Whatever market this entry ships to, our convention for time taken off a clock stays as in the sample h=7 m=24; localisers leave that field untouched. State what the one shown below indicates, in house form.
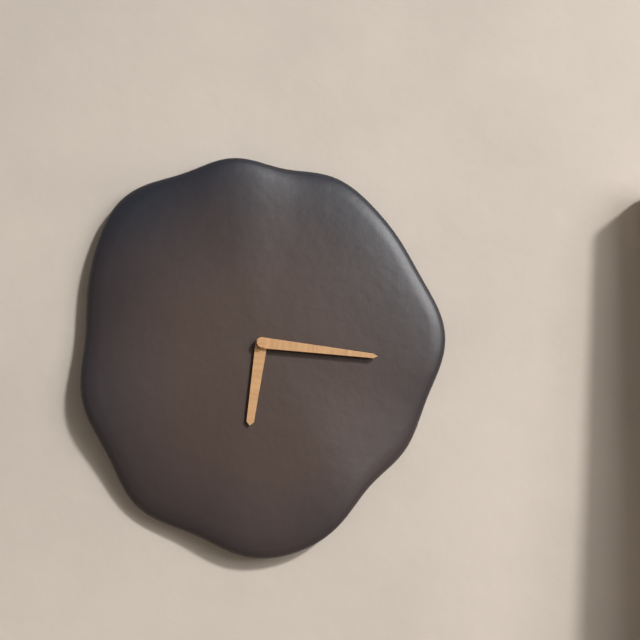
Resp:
h=6 m=16
